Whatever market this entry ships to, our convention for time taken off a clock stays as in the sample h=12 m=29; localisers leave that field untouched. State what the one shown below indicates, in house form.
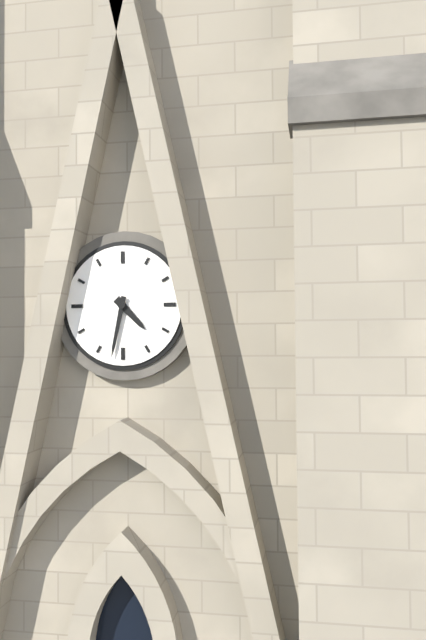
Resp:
h=4 m=32
